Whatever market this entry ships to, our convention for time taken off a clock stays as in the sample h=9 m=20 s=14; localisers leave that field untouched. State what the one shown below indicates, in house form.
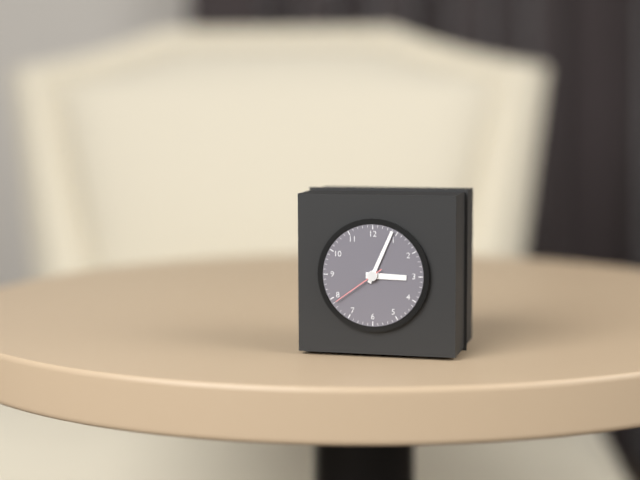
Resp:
h=3 m=4 s=39
